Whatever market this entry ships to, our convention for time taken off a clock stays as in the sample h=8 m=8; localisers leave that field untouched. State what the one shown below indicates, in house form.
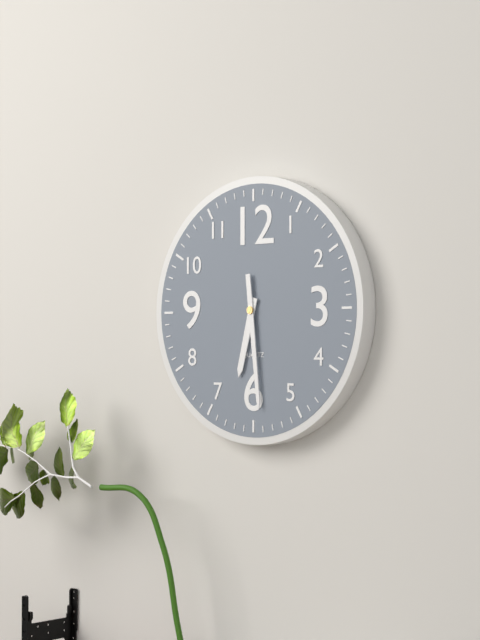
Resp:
h=6 m=29
